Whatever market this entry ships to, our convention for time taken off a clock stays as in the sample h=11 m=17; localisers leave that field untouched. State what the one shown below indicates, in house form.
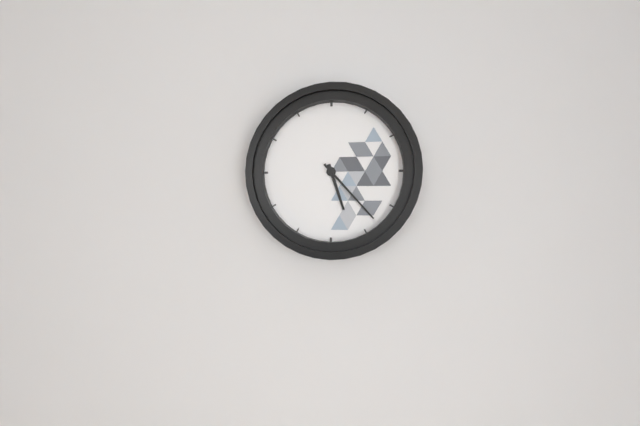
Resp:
h=5 m=23
